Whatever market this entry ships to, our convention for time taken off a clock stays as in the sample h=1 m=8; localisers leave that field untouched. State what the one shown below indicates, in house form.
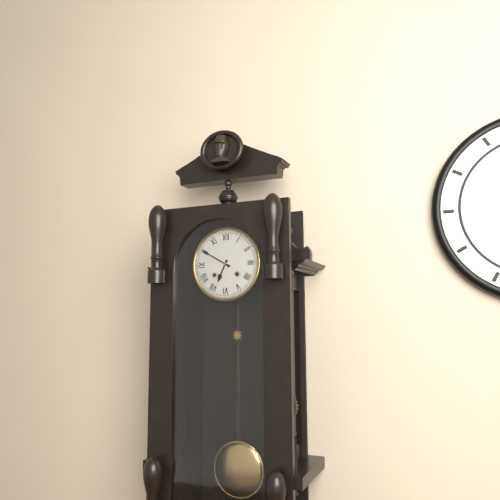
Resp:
h=6 m=50
